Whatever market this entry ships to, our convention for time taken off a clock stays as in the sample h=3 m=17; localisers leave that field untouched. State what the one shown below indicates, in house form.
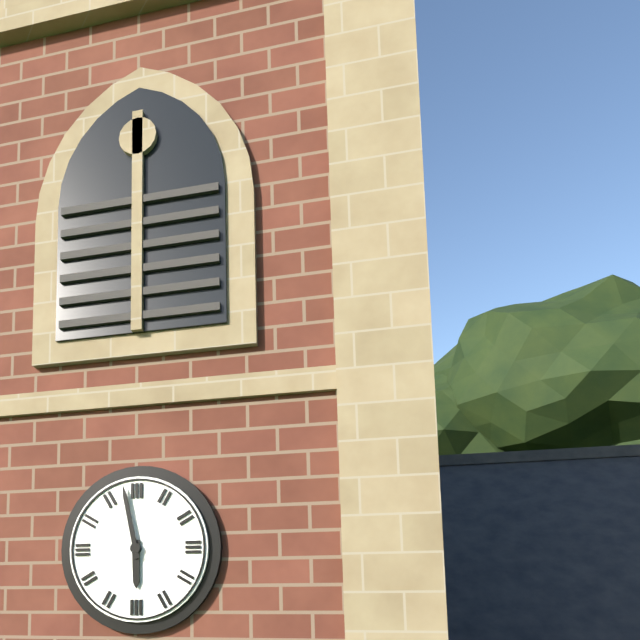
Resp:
h=5 m=58
